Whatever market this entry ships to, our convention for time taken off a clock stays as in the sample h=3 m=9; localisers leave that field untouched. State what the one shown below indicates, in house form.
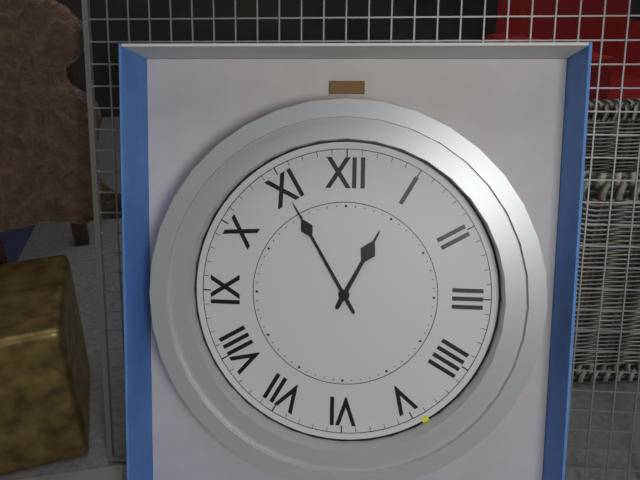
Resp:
h=12 m=55
